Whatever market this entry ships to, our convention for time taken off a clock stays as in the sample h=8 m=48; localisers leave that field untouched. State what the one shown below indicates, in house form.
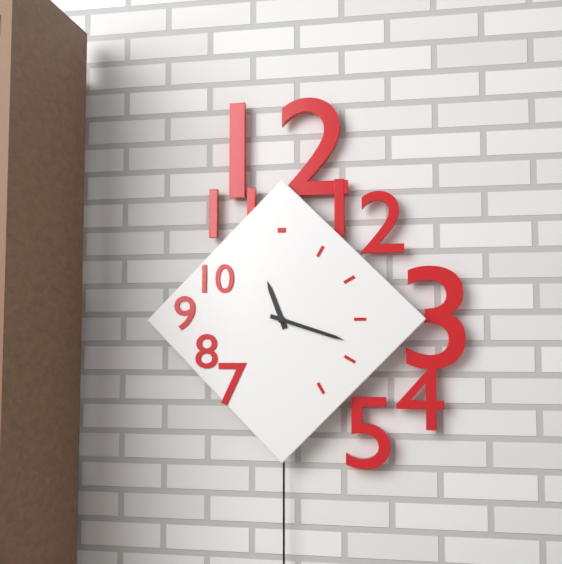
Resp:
h=11 m=18
